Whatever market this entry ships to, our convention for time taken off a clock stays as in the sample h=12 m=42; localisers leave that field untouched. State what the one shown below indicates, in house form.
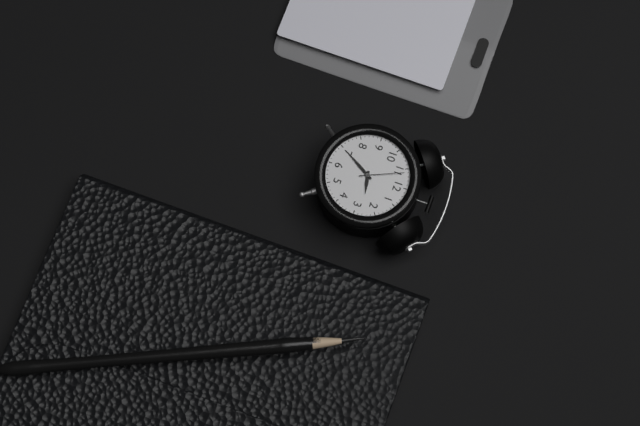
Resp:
h=2 m=35
